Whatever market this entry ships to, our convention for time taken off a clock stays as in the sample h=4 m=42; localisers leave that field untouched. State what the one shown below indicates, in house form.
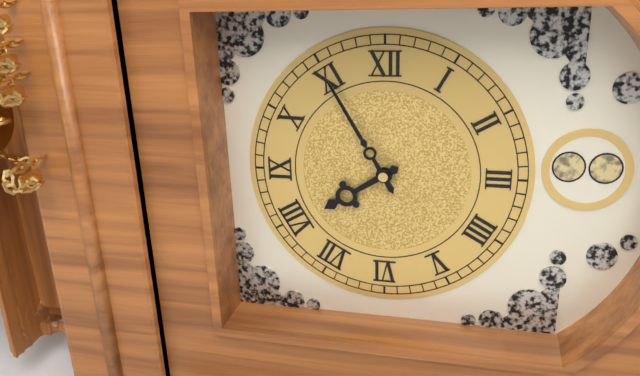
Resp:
h=7 m=55
